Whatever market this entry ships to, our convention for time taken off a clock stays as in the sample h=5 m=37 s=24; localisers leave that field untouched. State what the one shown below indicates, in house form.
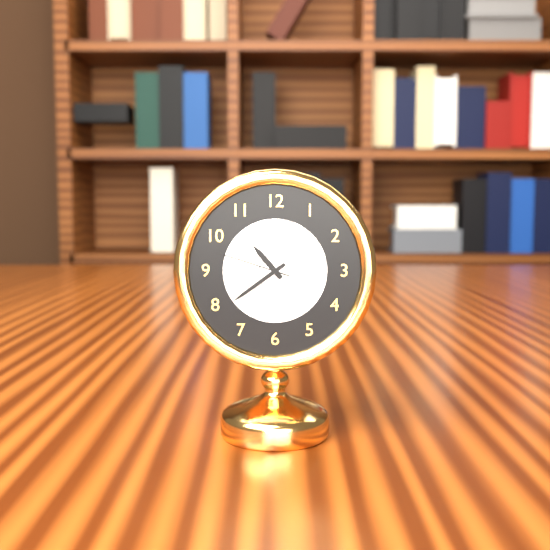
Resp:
h=10 m=39 s=48
